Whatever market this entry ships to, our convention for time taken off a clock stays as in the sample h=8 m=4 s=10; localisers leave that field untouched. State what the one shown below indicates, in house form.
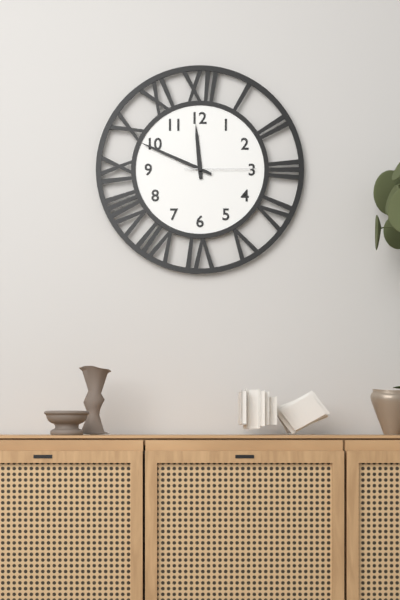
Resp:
h=11 m=49 s=15
